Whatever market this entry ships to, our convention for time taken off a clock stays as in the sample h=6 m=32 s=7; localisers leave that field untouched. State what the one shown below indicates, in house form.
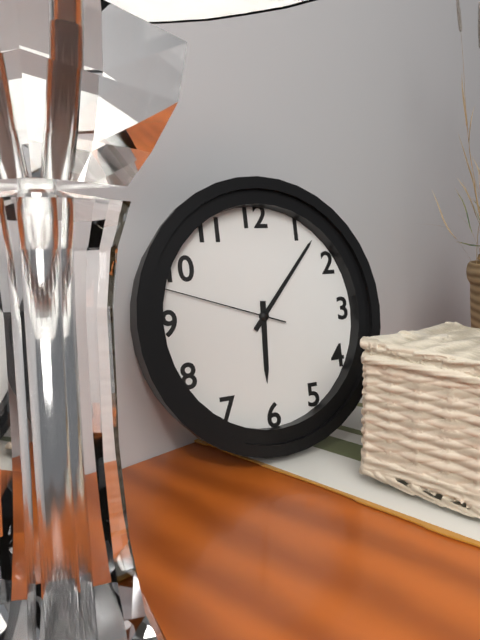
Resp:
h=6 m=7 s=48
